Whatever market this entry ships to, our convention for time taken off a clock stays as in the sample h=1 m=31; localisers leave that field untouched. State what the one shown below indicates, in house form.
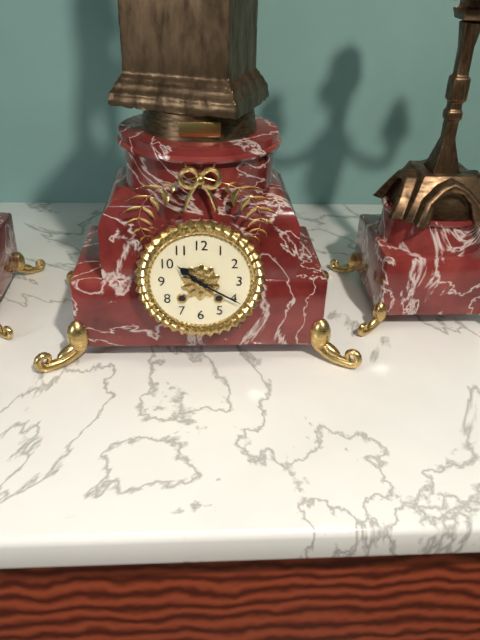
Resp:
h=10 m=20
